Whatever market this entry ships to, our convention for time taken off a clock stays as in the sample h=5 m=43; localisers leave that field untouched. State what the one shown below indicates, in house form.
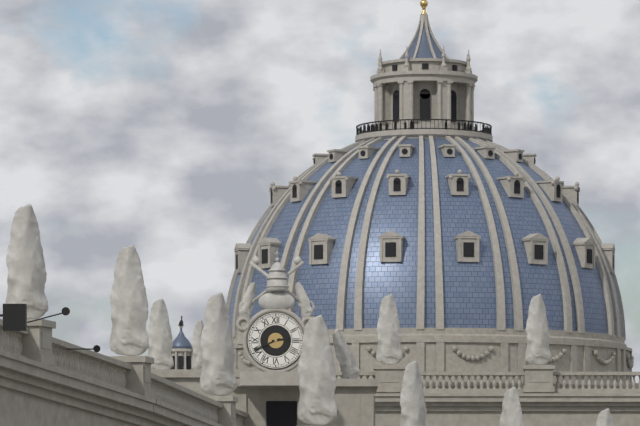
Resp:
h=2 m=41
